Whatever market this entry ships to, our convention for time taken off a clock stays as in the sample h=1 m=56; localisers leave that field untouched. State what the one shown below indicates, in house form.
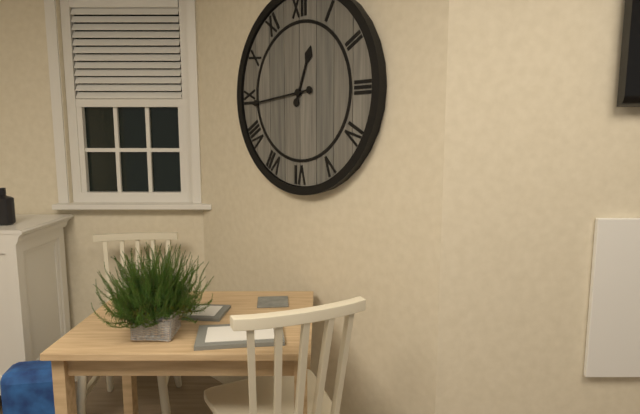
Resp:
h=12 m=44
